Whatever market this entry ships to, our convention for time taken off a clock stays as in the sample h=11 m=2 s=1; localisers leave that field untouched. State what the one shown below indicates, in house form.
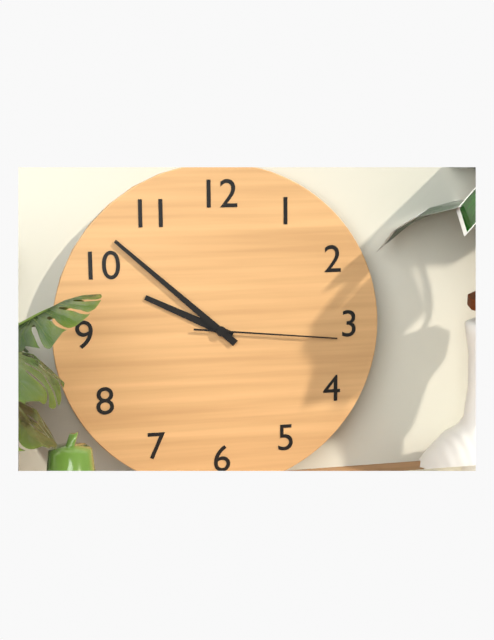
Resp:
h=9 m=52 s=16
